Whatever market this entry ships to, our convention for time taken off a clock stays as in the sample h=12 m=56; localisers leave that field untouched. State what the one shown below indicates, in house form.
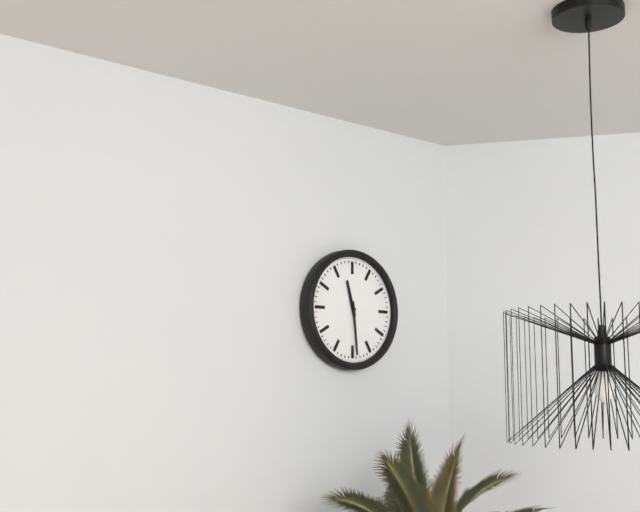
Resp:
h=11 m=29
